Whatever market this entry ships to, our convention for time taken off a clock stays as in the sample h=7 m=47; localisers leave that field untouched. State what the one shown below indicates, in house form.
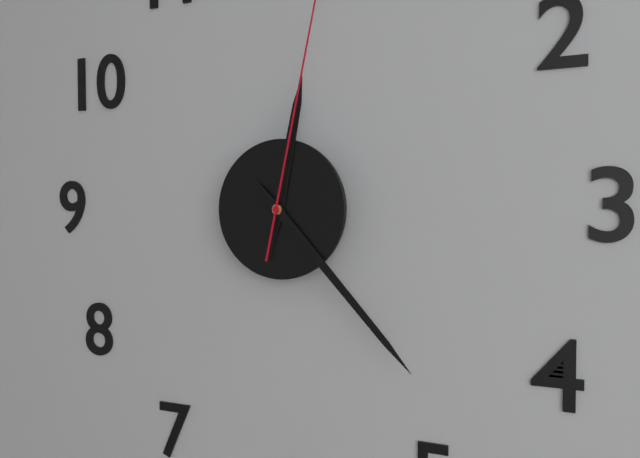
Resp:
h=12 m=23
